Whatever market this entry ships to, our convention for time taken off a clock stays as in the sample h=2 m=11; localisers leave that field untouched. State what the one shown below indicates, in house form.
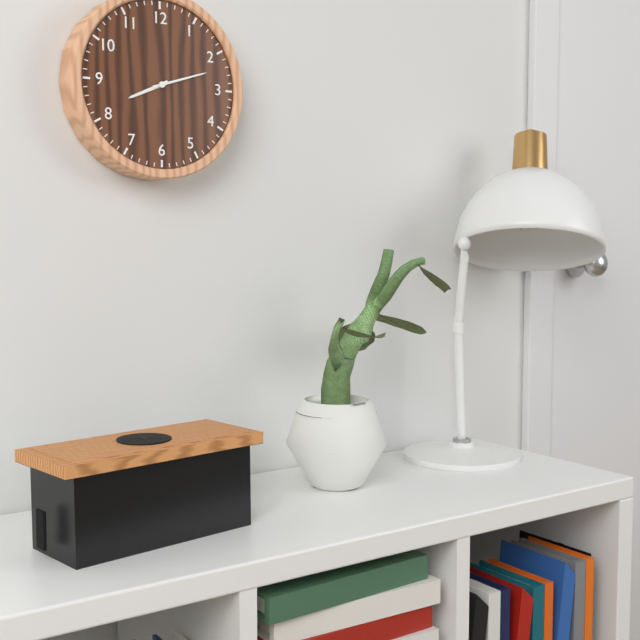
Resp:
h=8 m=12
